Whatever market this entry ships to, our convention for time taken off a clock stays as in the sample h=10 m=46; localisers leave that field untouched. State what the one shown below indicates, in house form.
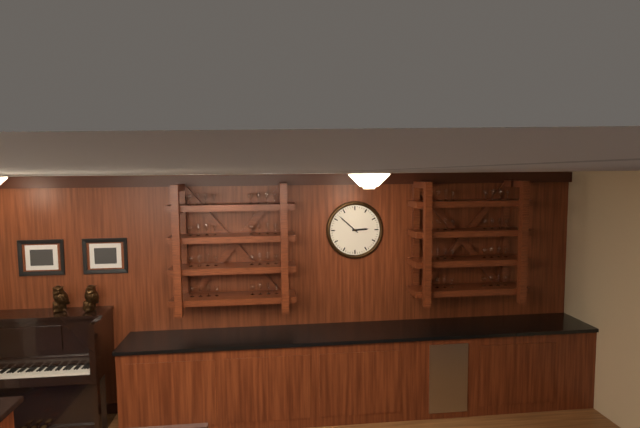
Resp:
h=2 m=52
